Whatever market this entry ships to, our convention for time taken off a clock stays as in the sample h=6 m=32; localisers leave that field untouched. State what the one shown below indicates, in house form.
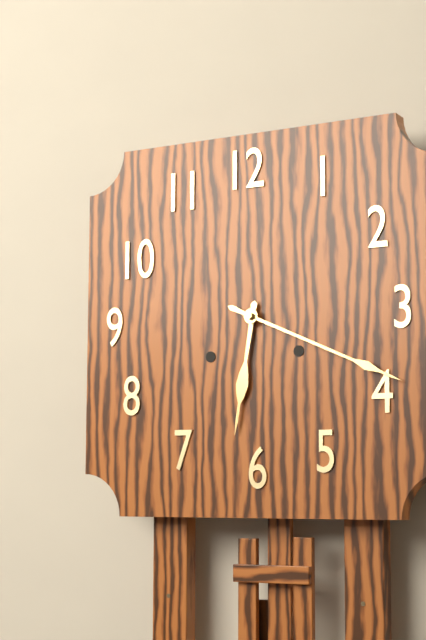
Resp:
h=6 m=19
